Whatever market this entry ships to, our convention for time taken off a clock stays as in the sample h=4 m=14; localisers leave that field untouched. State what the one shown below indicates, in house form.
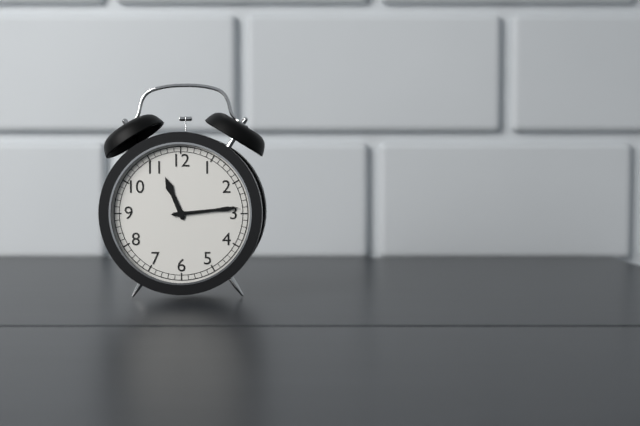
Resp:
h=11 m=14
